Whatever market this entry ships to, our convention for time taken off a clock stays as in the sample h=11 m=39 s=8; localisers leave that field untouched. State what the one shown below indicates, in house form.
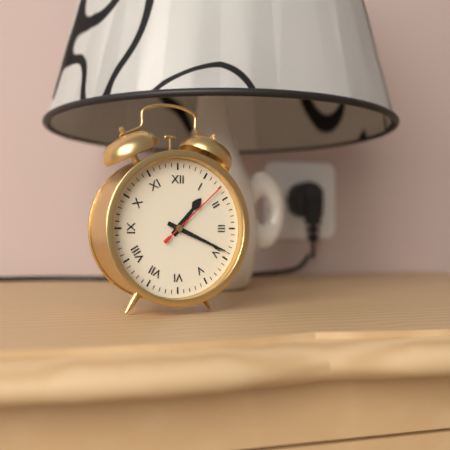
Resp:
h=1 m=19 s=8
